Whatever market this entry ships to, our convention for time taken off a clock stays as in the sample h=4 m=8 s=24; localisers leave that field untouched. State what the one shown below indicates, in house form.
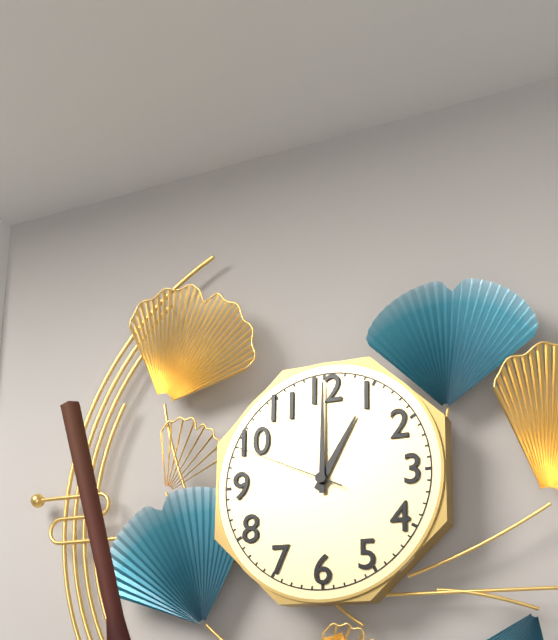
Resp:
h=1 m=0 s=49
